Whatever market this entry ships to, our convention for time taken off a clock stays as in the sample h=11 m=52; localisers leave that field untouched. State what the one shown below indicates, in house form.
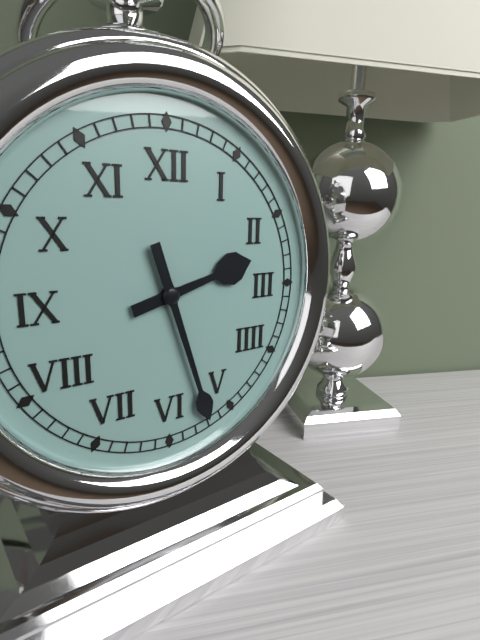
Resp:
h=2 m=27
